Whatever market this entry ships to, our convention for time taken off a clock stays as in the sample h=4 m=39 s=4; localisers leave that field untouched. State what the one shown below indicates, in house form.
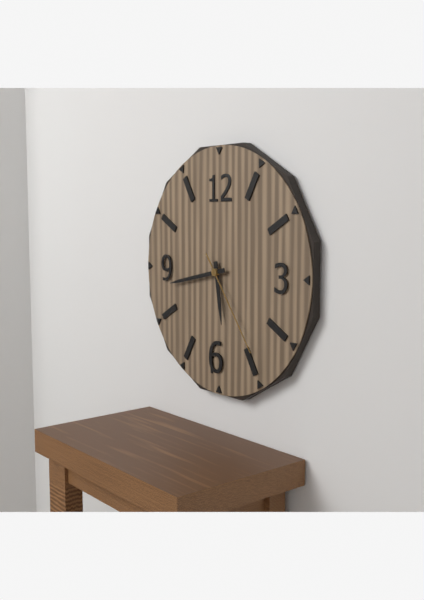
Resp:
h=5 m=43 s=24
